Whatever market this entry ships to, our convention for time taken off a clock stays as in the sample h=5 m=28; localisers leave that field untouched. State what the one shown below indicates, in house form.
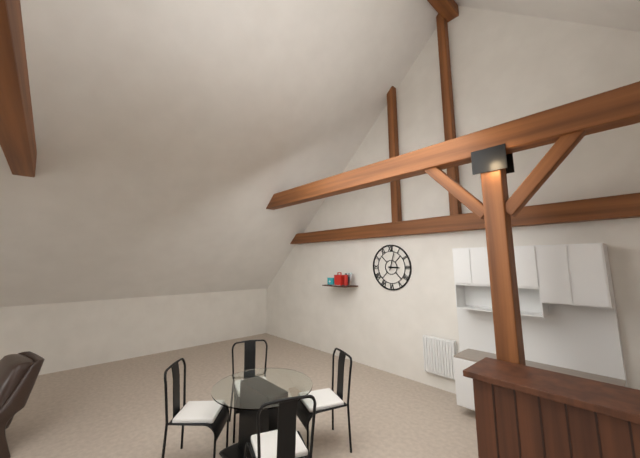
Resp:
h=3 m=3
